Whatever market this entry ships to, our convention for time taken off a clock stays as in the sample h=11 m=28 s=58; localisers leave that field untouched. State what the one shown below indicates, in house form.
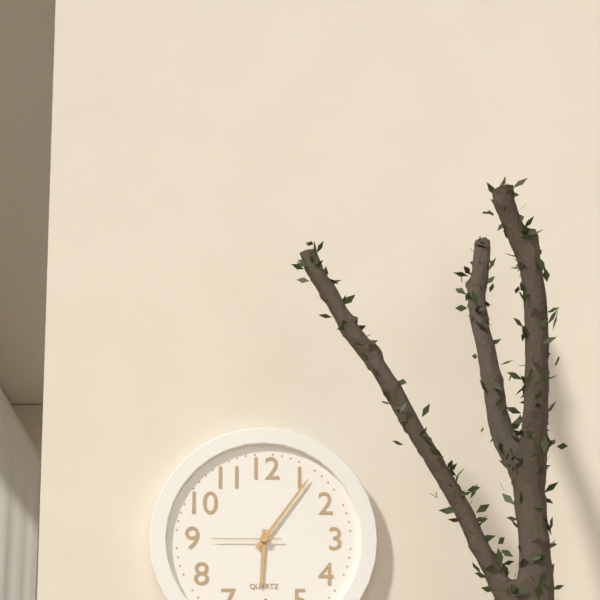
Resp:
h=6 m=6 s=45
